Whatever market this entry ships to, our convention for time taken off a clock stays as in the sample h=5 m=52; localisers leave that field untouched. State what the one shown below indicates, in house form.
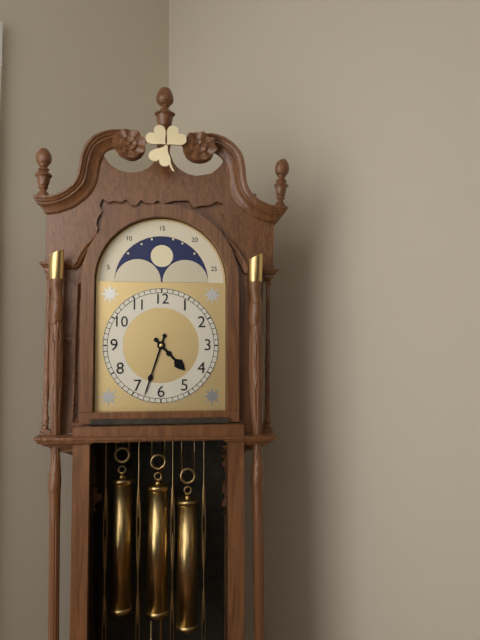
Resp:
h=4 m=33
